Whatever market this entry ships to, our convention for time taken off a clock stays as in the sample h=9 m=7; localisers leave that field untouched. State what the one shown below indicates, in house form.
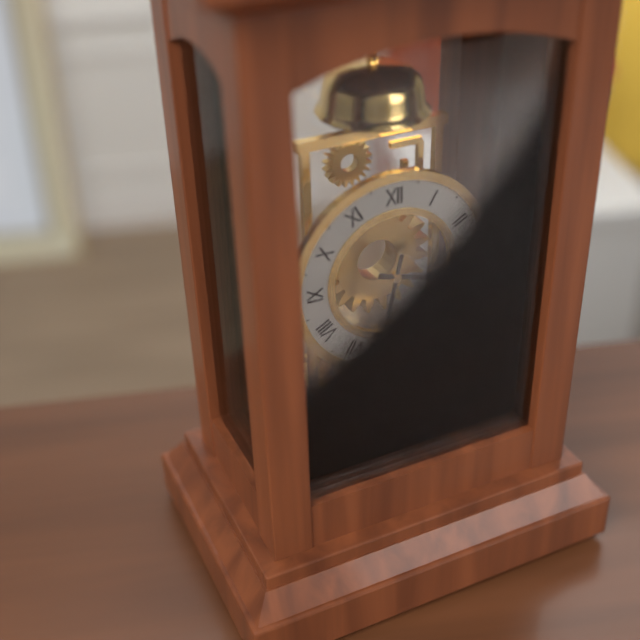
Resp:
h=3 m=32
